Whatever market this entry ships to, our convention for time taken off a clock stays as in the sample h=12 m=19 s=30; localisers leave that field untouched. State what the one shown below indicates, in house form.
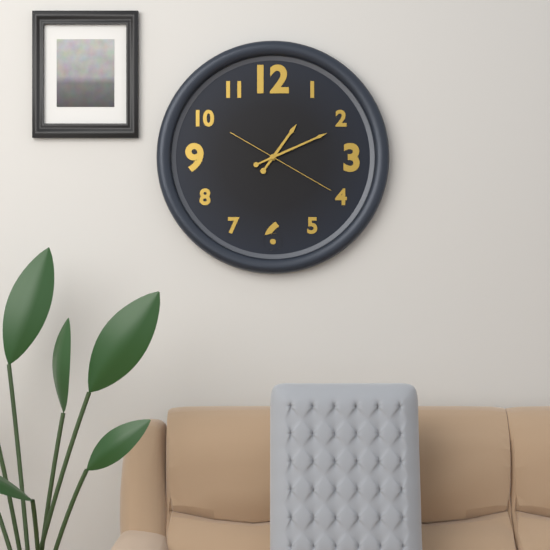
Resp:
h=1 m=11 s=20
